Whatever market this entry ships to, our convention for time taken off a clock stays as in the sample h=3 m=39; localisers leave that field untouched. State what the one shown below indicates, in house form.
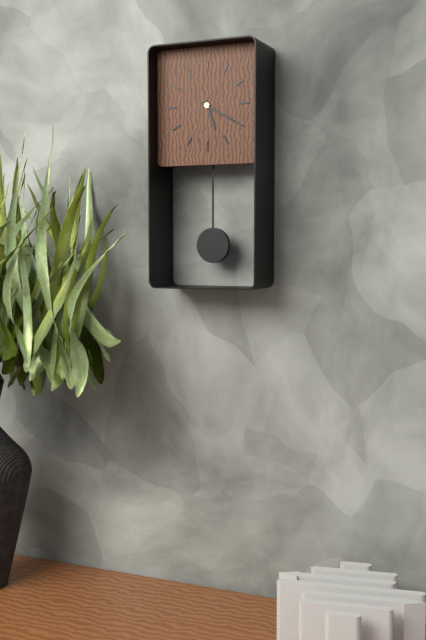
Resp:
h=5 m=20
